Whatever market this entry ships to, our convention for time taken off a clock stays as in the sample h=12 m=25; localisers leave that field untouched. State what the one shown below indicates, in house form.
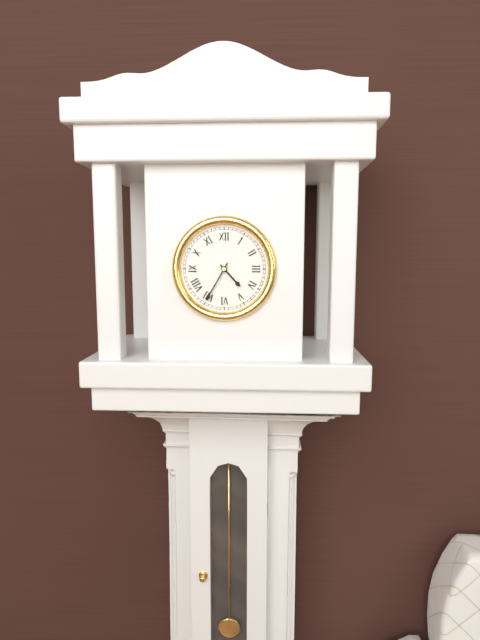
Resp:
h=4 m=35
